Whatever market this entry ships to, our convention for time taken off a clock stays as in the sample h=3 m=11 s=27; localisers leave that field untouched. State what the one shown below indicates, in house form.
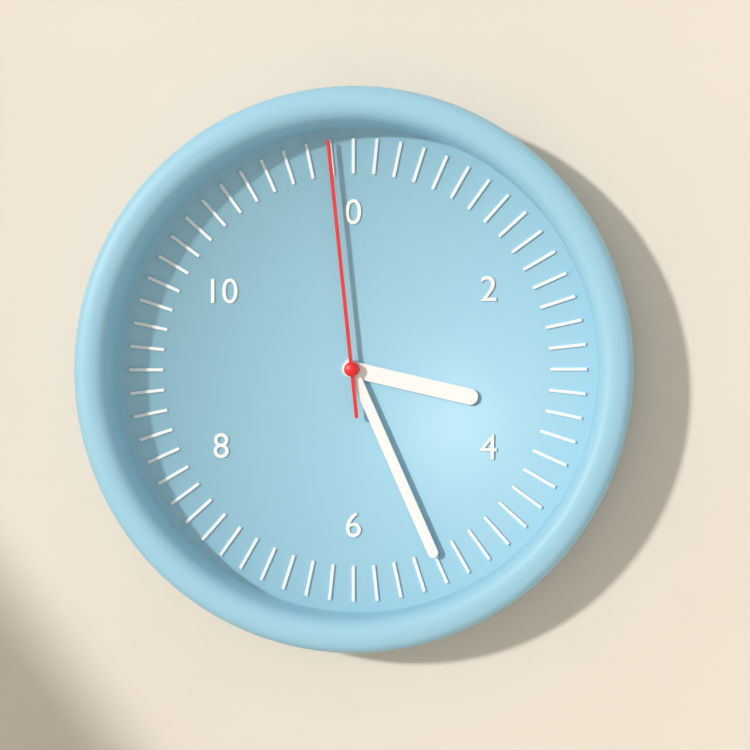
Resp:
h=3 m=26 s=59
